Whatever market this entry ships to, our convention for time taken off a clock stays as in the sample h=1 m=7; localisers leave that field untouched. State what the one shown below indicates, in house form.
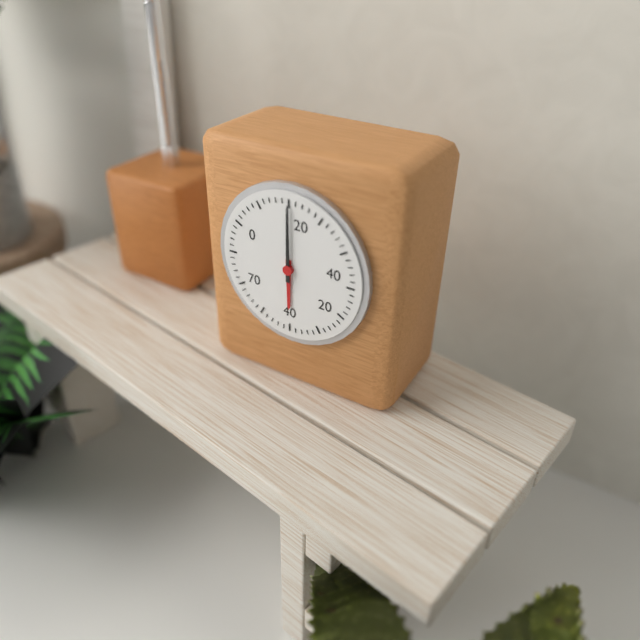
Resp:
h=6 m=0
